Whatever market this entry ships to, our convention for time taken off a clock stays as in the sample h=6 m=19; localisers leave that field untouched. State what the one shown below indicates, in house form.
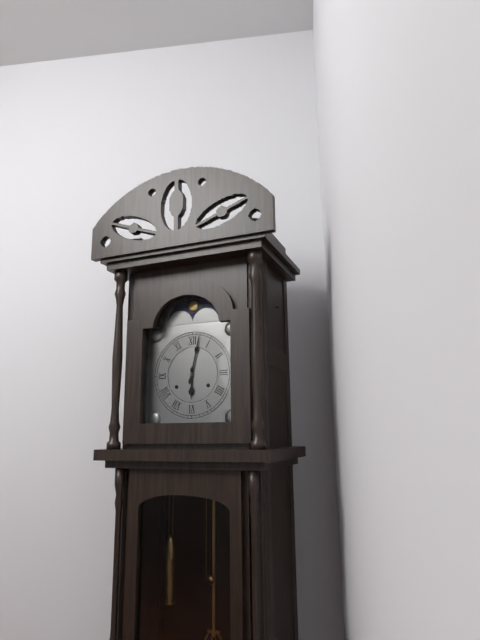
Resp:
h=6 m=2
